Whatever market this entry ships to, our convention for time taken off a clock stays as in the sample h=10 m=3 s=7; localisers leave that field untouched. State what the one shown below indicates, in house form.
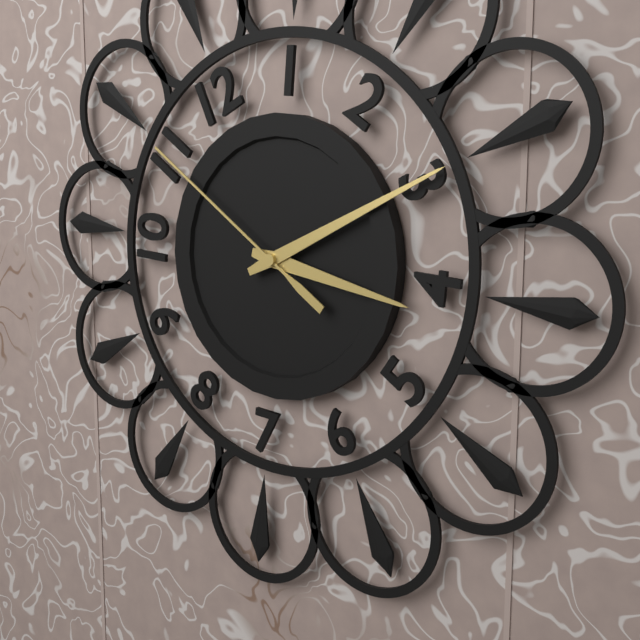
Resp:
h=4 m=15 s=55
